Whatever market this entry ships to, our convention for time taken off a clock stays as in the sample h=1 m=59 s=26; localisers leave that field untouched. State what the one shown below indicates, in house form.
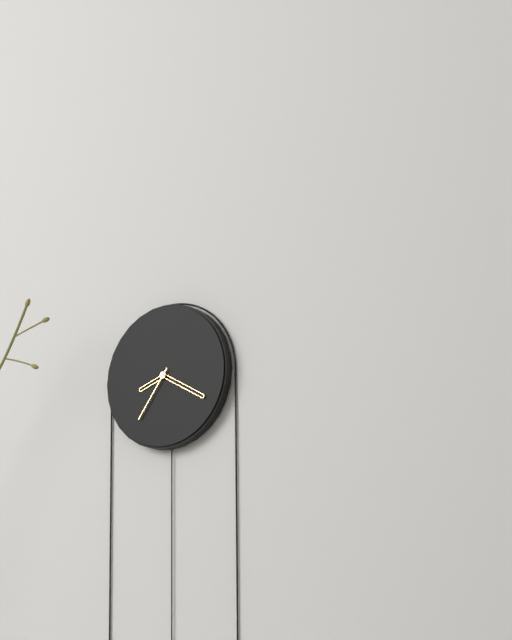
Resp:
h=8 m=20 s=36
